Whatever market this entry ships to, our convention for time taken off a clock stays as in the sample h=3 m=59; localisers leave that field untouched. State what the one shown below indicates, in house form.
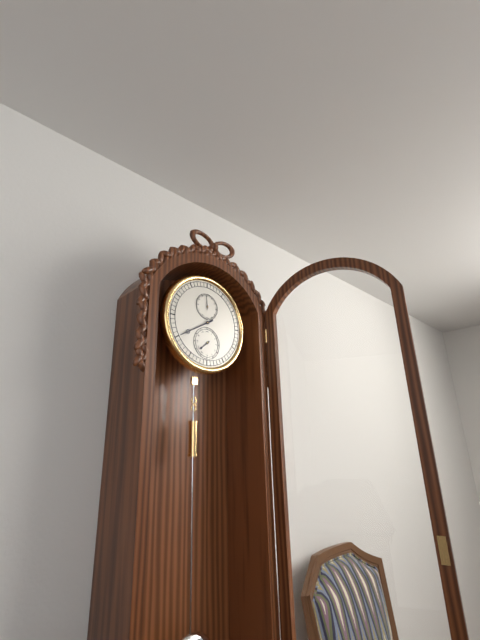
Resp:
h=7 m=40
